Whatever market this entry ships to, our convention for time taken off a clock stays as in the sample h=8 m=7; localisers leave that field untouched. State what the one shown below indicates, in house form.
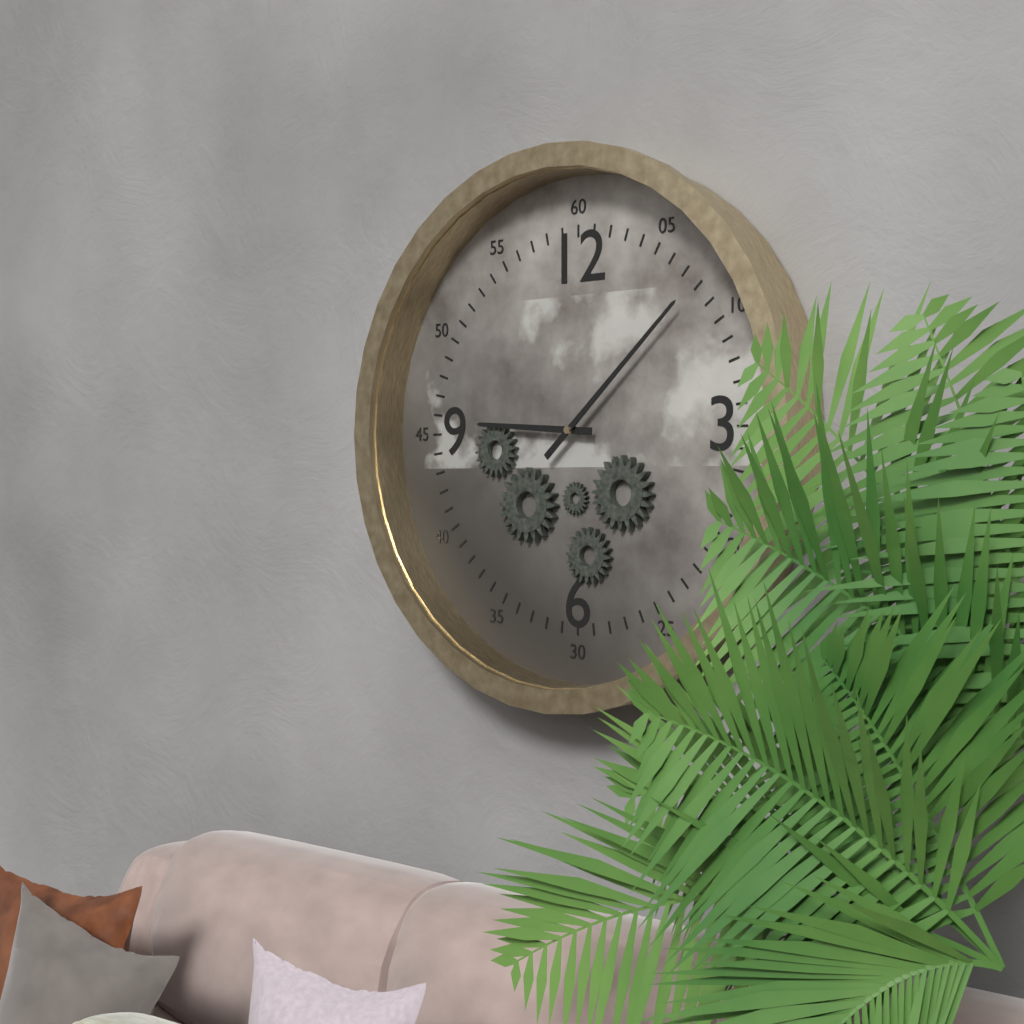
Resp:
h=9 m=8
